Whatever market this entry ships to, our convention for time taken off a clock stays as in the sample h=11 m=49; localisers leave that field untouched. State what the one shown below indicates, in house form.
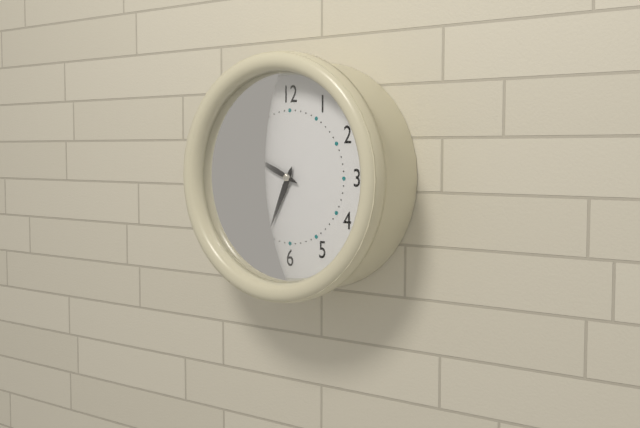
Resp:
h=6 m=49
